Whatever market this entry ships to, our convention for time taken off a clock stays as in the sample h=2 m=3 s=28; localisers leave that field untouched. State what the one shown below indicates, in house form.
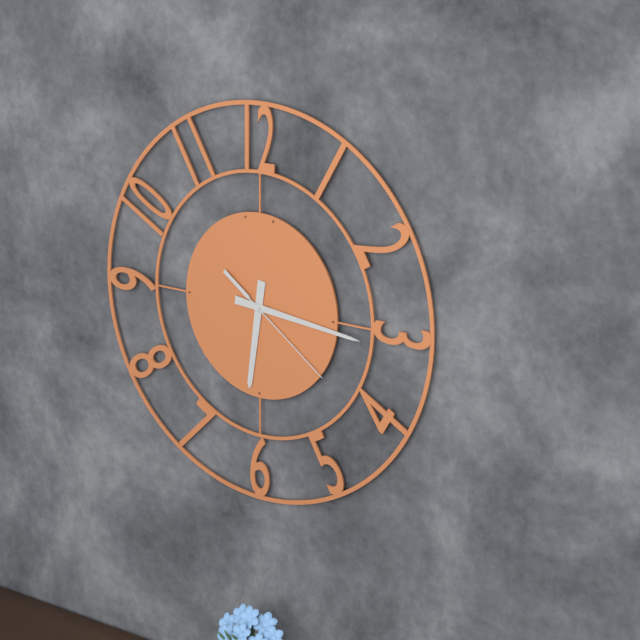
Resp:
h=6 m=16 s=21
